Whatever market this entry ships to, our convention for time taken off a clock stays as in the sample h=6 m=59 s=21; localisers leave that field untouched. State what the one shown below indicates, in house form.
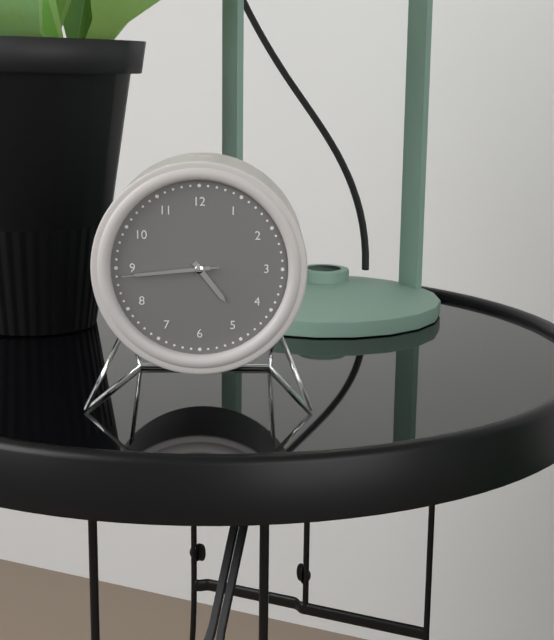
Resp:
h=4 m=44 s=44
